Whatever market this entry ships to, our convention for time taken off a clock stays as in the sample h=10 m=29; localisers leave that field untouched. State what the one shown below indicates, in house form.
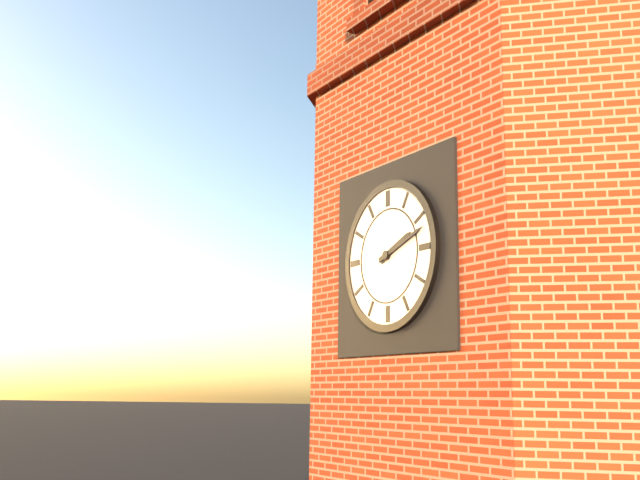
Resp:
h=2 m=12
